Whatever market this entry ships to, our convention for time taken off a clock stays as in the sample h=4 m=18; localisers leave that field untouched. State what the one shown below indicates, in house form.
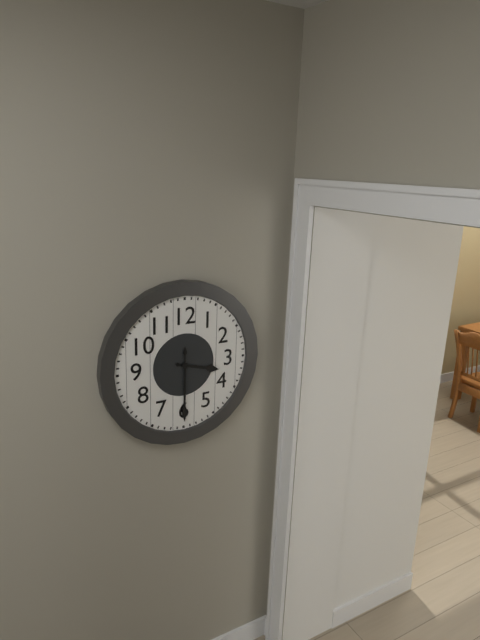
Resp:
h=3 m=30
